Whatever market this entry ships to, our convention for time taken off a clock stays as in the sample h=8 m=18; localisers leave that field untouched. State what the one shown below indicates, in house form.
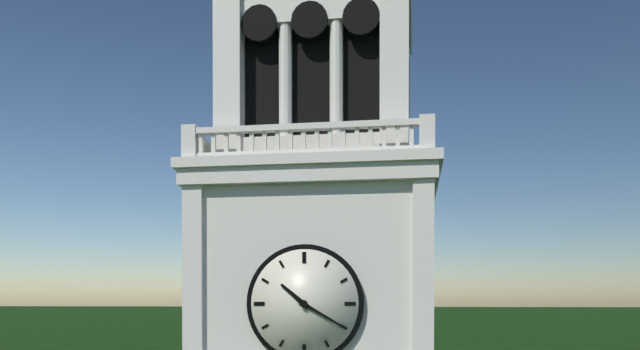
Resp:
h=10 m=20
